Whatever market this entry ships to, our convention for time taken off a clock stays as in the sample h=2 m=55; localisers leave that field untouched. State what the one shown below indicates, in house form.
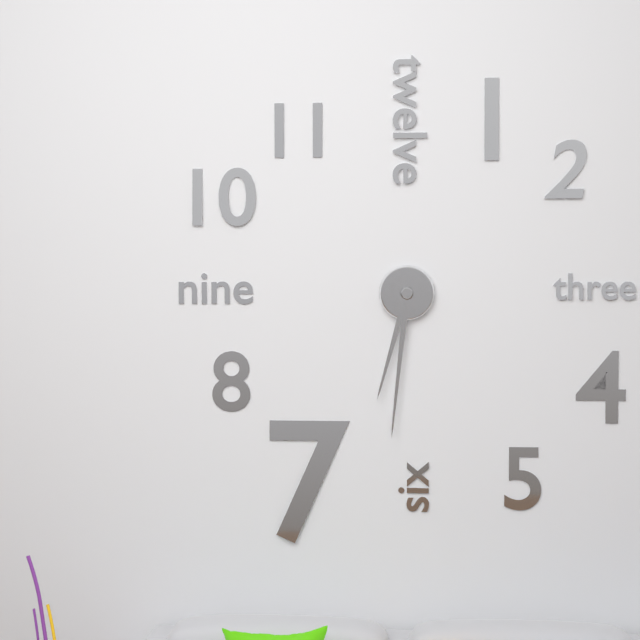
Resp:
h=6 m=31
